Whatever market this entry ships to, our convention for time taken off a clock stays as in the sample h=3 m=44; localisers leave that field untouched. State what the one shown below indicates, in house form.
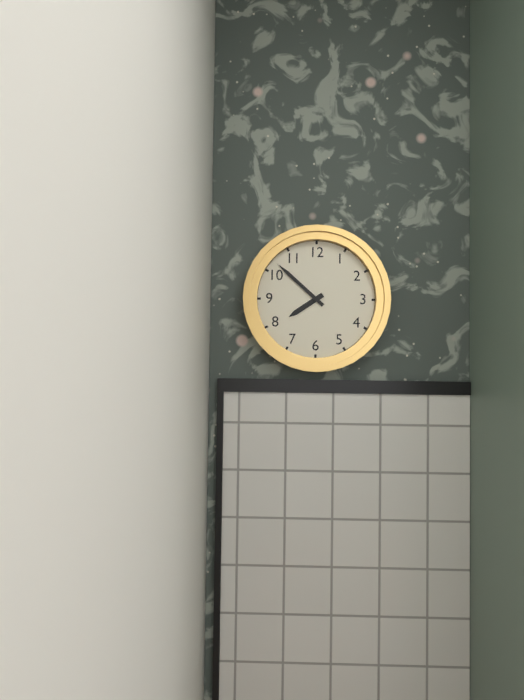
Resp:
h=7 m=52
